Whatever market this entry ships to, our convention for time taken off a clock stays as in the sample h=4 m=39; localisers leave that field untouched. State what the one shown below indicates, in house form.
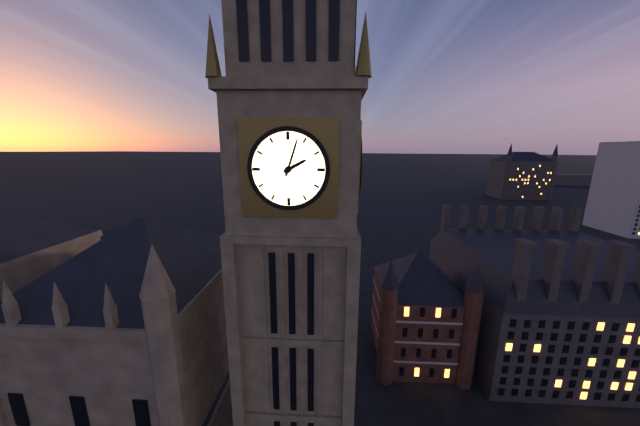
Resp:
h=2 m=3
